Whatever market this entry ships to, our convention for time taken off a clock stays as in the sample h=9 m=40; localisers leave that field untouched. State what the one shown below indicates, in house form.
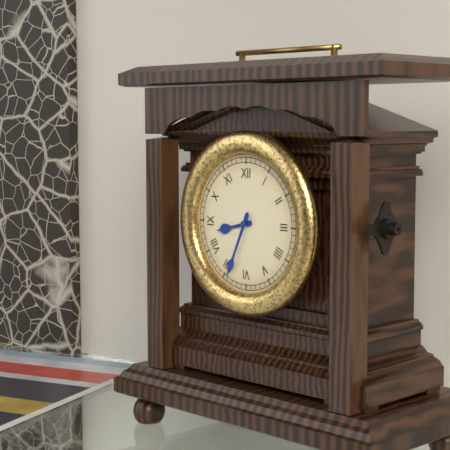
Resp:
h=8 m=34
